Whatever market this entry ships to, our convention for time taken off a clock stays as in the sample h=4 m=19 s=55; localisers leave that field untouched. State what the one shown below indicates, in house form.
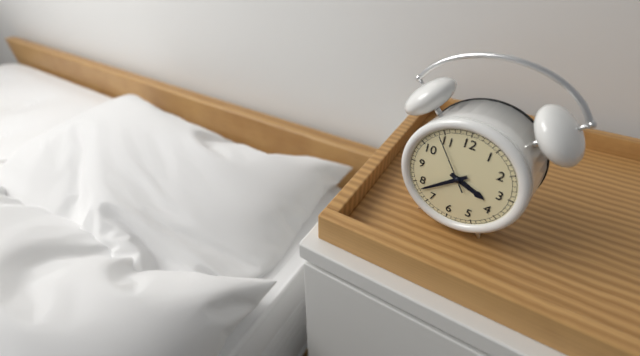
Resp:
h=3 m=38 s=54
